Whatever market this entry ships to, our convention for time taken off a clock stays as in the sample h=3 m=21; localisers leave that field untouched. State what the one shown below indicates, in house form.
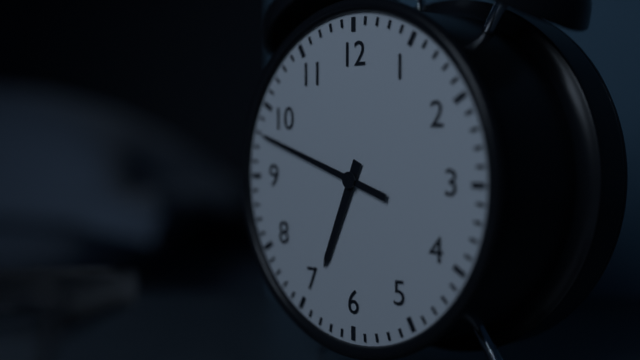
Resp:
h=6 m=48
